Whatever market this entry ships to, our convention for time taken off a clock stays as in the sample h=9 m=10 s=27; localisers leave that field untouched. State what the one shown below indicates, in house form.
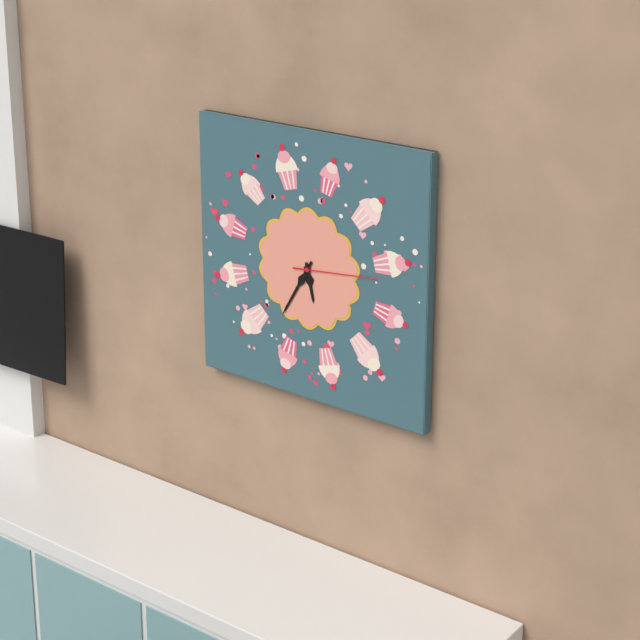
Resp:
h=5 m=35 s=14
